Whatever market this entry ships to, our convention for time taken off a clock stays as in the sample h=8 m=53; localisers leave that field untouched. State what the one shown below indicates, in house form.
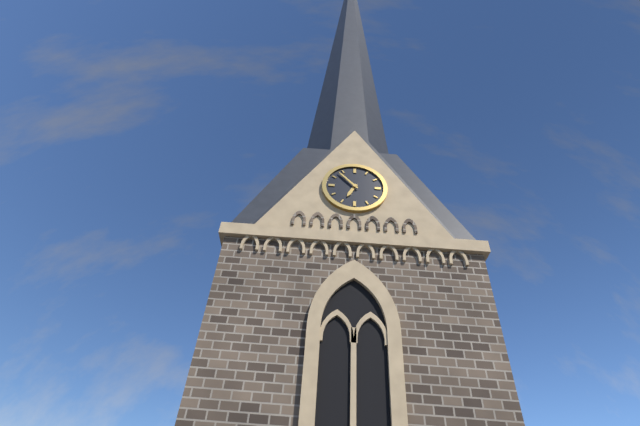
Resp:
h=6 m=53
